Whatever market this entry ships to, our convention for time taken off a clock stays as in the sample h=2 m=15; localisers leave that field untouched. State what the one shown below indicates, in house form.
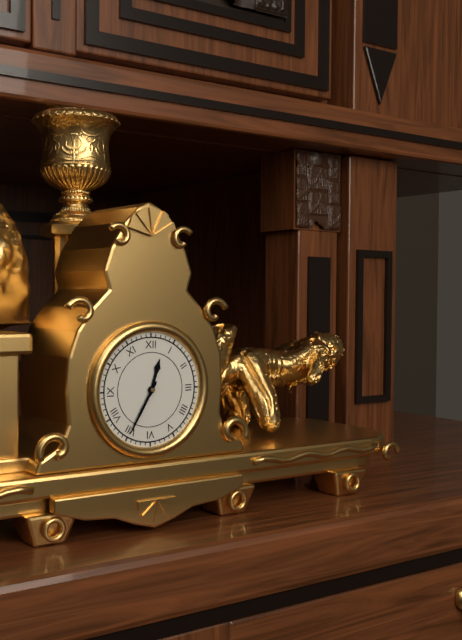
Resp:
h=12 m=35
